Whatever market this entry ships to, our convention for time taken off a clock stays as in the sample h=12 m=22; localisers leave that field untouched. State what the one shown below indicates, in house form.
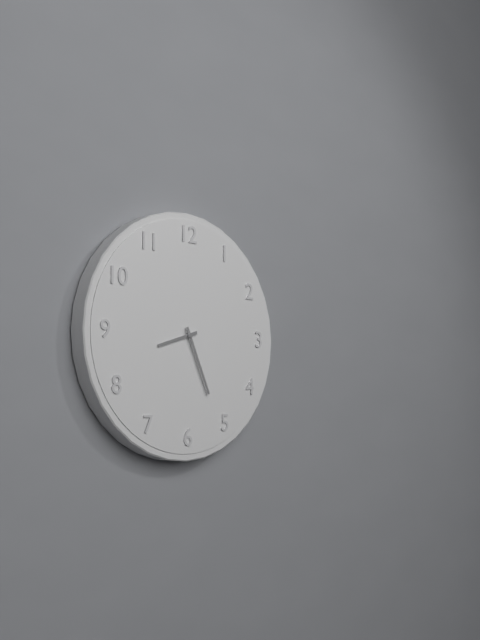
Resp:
h=8 m=26
